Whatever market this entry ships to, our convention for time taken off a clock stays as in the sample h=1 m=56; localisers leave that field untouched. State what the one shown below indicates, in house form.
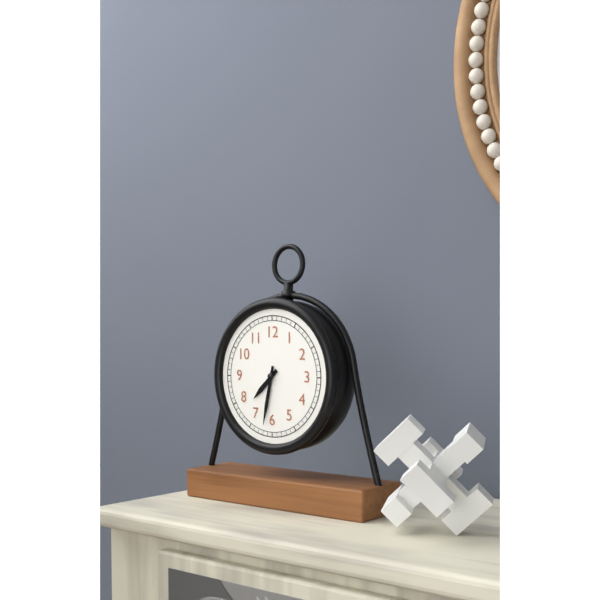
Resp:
h=7 m=32
